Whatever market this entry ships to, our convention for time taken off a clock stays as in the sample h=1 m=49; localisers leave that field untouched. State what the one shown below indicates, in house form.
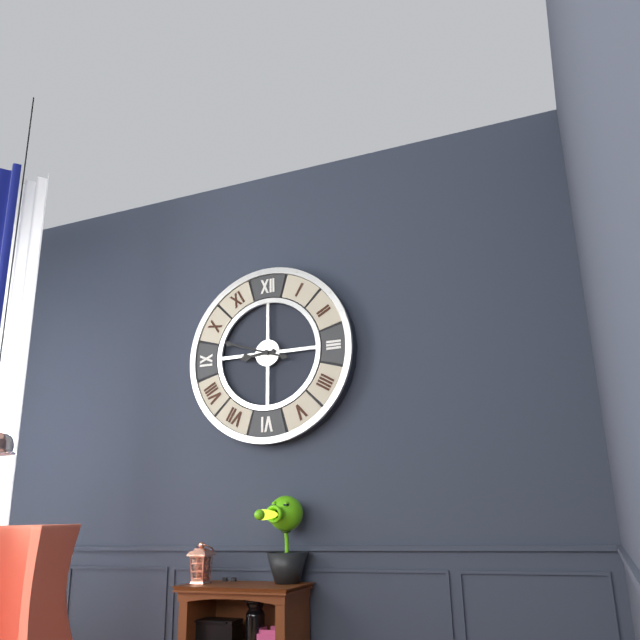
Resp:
h=8 m=48
